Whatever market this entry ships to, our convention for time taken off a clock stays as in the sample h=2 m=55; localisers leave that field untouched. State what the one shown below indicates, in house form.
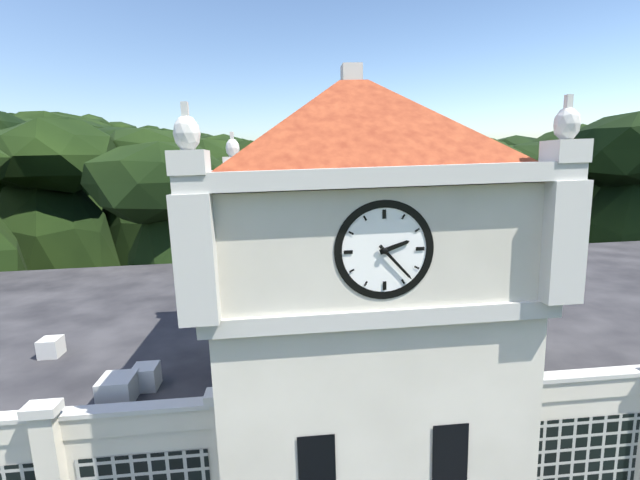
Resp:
h=2 m=23
